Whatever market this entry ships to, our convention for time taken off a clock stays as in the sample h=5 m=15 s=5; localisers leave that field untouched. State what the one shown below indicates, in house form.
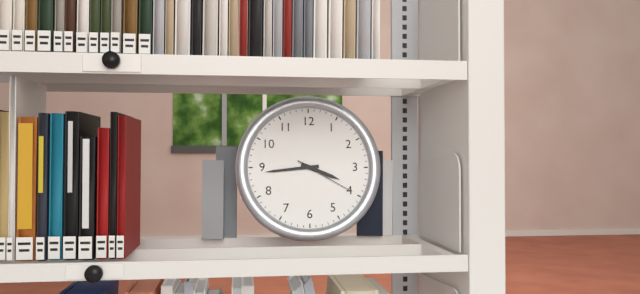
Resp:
h=3 m=44 s=20
